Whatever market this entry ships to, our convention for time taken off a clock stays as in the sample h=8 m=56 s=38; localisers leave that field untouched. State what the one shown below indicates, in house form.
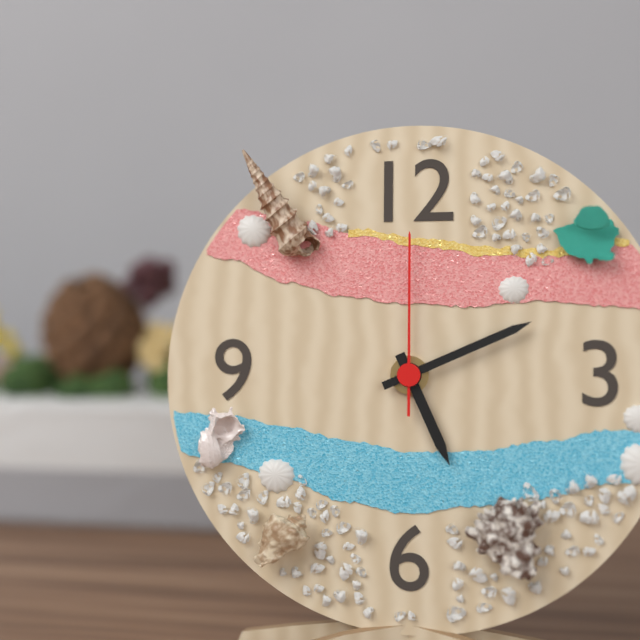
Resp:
h=5 m=11 s=0
